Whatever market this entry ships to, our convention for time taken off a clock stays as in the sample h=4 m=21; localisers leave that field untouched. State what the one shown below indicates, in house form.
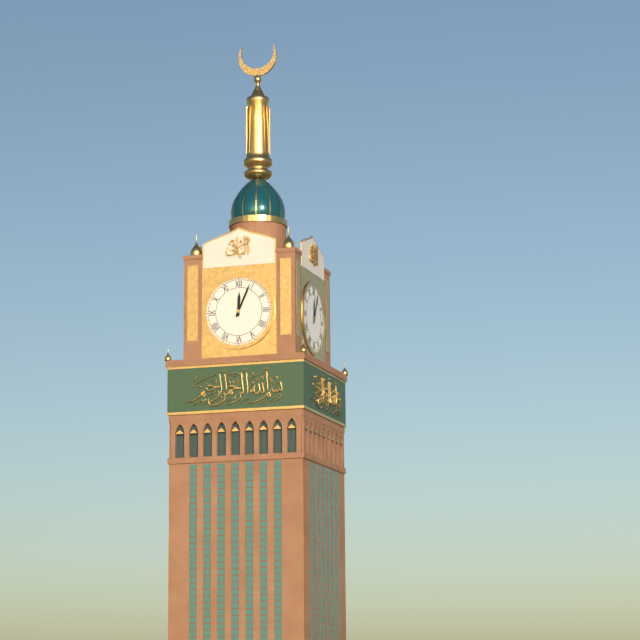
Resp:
h=12 m=4
